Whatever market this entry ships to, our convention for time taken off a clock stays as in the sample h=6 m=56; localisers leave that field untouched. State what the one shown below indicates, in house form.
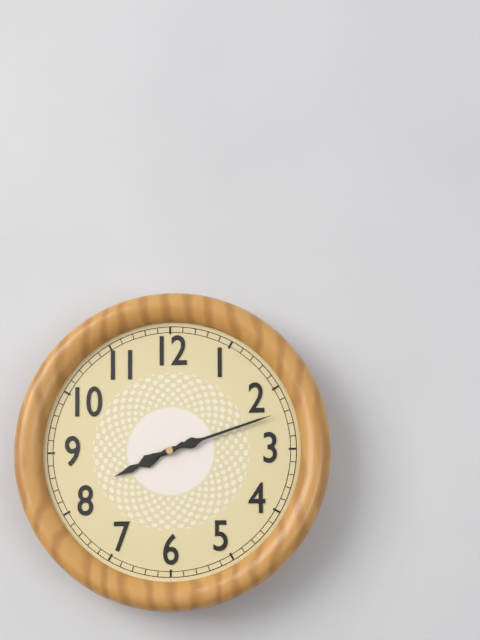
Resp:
h=8 m=12
